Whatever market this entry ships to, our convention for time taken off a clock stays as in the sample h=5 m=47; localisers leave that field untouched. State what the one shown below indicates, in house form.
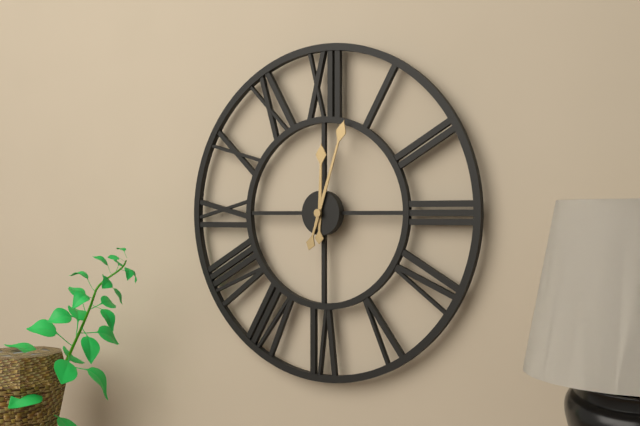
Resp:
h=12 m=3
